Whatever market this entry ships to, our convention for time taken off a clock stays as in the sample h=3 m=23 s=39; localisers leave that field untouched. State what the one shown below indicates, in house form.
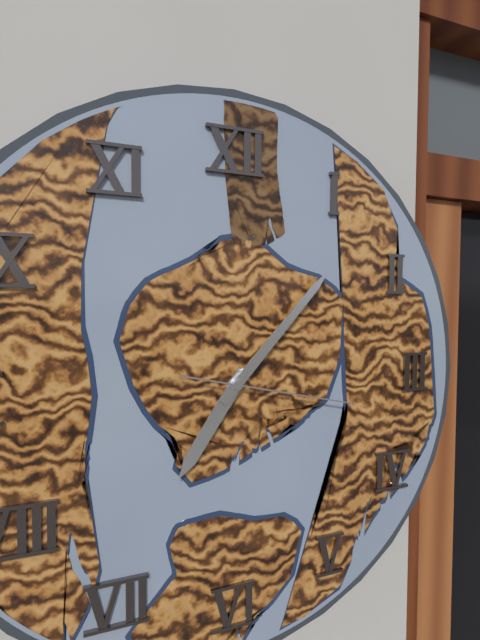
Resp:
h=7 m=7 s=17
